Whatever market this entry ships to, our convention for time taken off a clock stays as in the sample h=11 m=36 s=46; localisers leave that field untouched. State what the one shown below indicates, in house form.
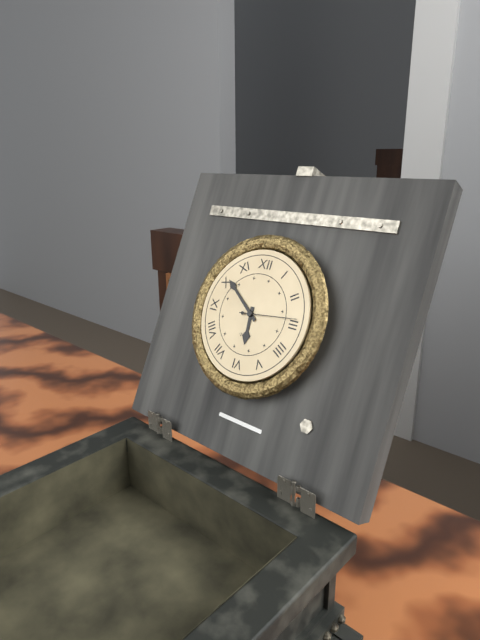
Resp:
h=5 m=51 s=14
